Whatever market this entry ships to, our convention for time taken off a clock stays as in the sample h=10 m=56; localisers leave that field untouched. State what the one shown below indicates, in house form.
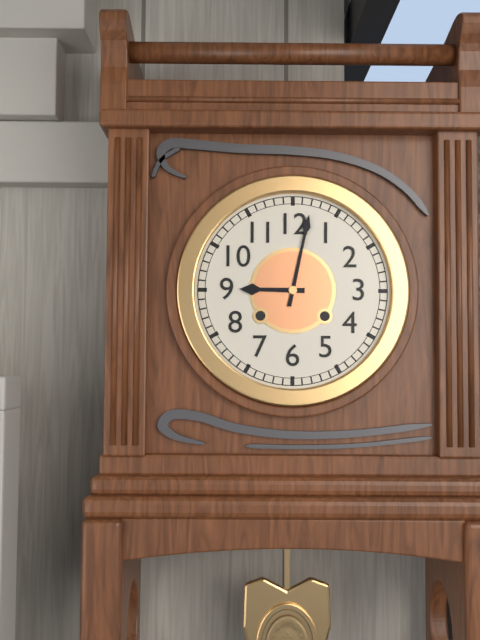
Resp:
h=9 m=2
